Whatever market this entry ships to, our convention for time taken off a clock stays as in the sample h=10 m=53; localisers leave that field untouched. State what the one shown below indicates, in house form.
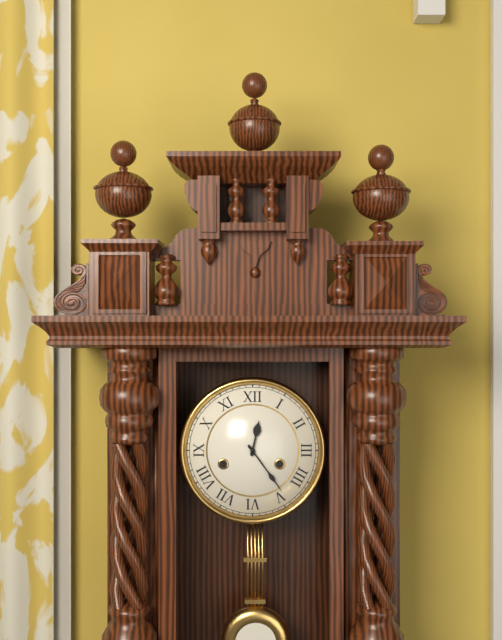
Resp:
h=12 m=24
